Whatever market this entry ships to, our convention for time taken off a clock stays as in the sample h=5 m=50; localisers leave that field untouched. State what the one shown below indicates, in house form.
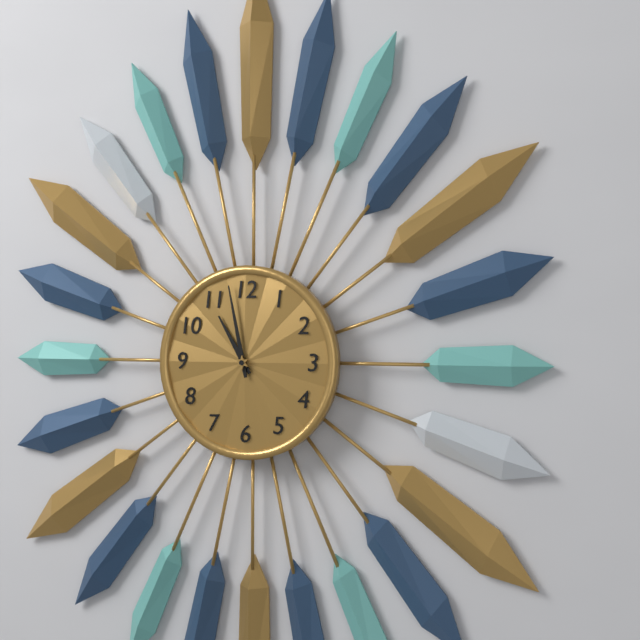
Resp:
h=10 m=58
